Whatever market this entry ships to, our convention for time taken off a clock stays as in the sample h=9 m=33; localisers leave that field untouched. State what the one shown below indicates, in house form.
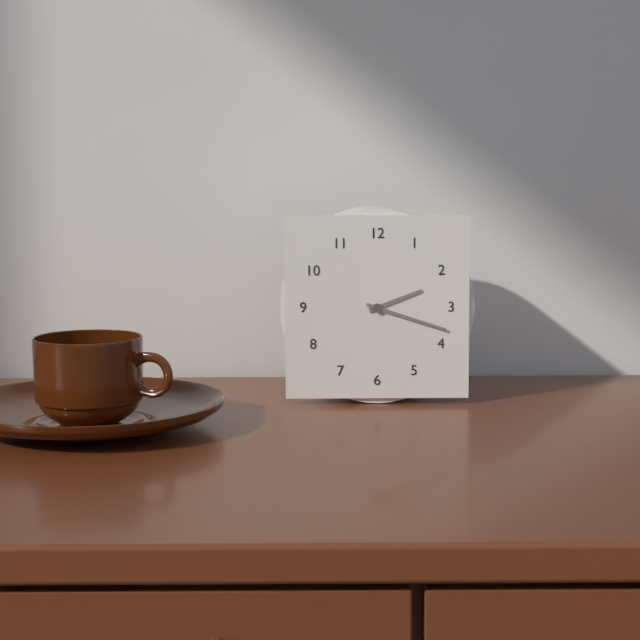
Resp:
h=2 m=18
